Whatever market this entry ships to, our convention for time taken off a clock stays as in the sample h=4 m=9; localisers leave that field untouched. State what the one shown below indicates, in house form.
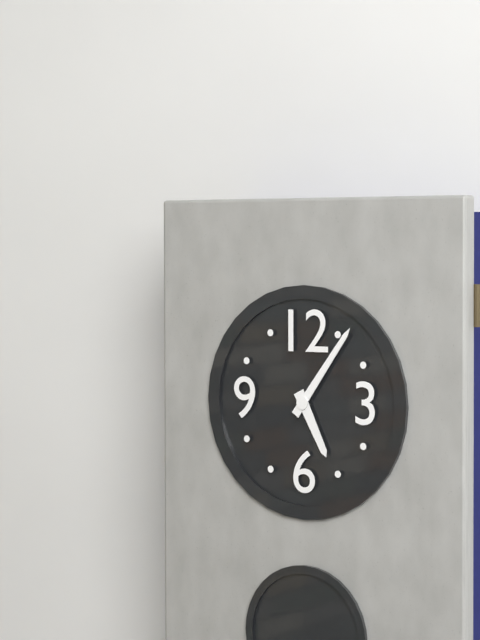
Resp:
h=5 m=6
